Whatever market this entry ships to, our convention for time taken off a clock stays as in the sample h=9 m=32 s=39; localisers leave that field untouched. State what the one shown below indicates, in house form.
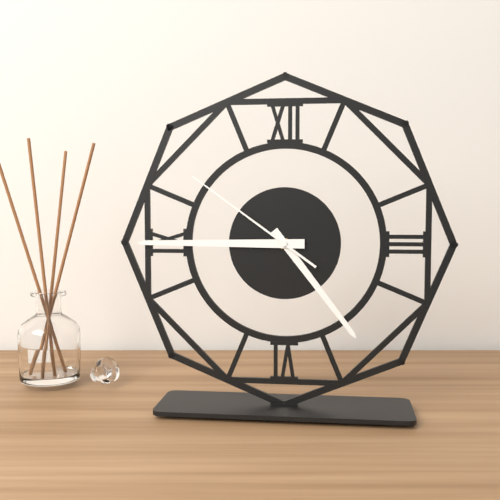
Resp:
h=4 m=45 s=51
